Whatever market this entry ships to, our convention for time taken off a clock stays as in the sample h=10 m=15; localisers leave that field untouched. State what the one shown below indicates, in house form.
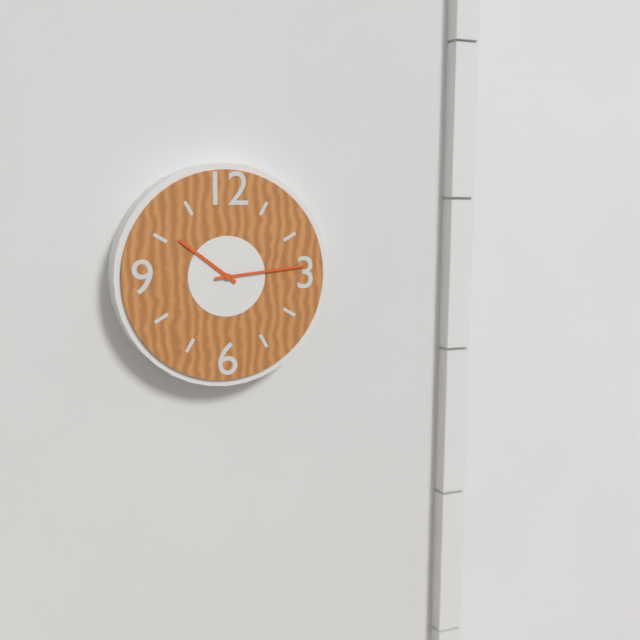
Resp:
h=10 m=14
